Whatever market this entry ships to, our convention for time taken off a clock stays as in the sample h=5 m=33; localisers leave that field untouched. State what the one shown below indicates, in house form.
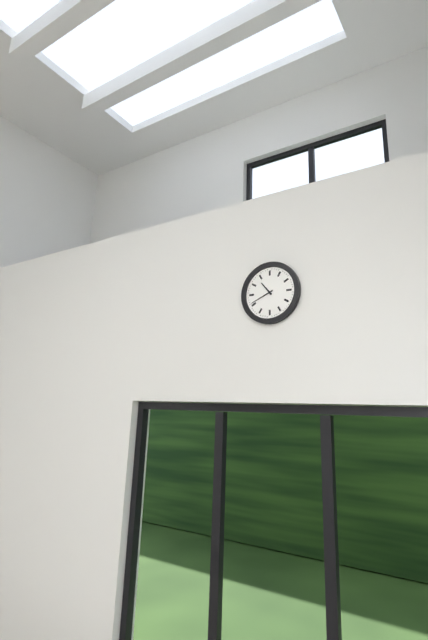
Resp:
h=10 m=41
